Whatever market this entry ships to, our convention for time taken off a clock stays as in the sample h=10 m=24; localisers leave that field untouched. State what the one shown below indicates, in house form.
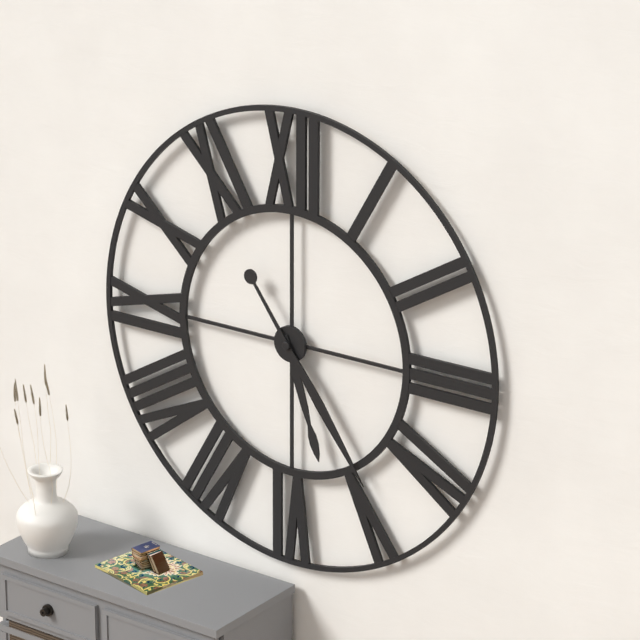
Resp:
h=5 m=24
